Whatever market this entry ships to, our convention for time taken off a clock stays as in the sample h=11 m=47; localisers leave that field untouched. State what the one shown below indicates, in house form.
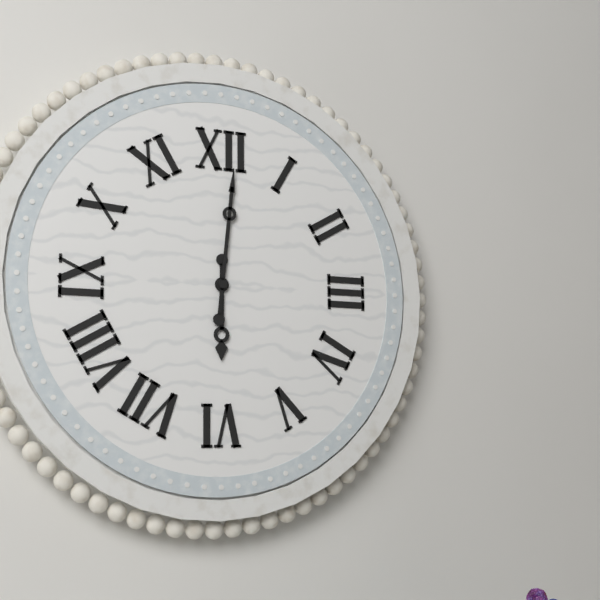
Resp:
h=6 m=1
